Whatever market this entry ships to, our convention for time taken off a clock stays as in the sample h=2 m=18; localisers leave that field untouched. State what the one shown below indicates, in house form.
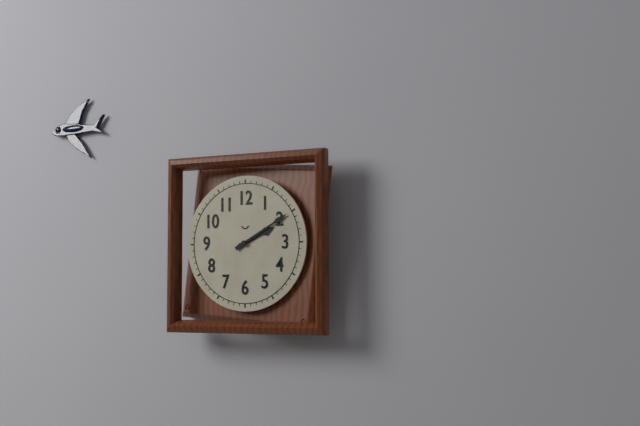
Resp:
h=2 m=10
